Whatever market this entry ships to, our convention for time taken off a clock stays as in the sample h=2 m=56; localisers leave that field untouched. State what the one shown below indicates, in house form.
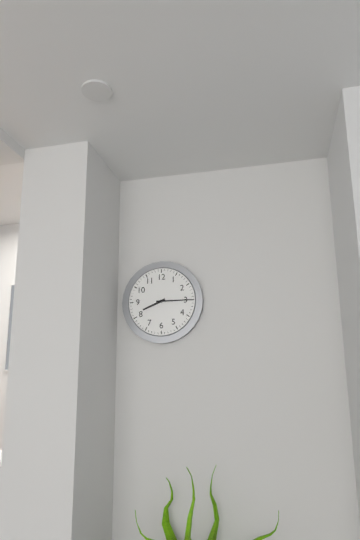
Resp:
h=8 m=15
